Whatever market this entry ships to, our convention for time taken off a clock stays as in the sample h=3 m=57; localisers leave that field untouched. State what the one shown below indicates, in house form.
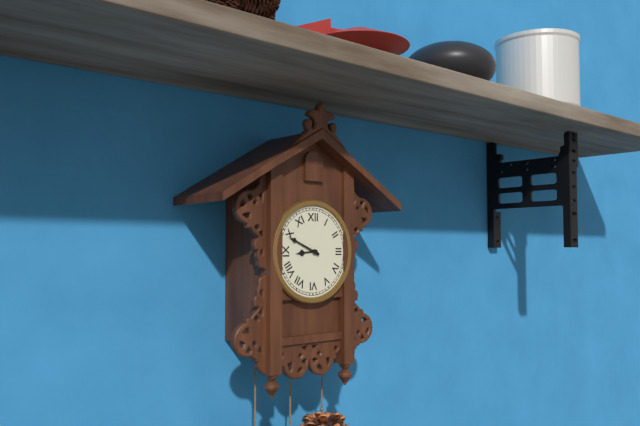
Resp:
h=8 m=49
